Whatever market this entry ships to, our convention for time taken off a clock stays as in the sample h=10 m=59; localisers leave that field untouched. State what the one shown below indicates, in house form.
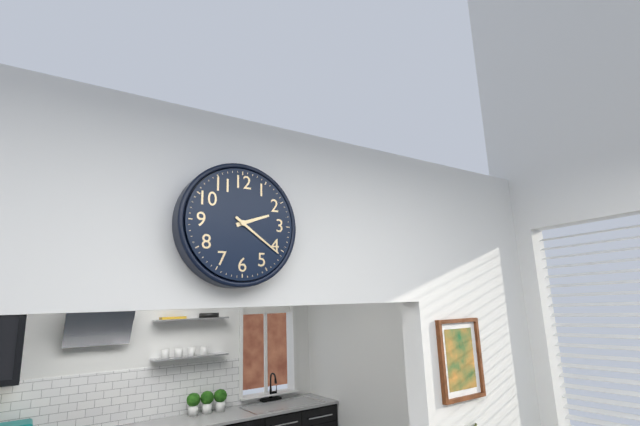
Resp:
h=2 m=21
